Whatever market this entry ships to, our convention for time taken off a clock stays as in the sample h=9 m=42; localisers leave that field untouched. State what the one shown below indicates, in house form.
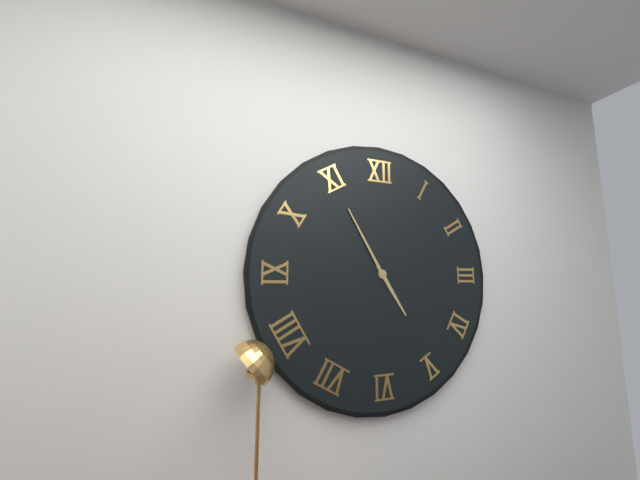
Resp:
h=4 m=55
